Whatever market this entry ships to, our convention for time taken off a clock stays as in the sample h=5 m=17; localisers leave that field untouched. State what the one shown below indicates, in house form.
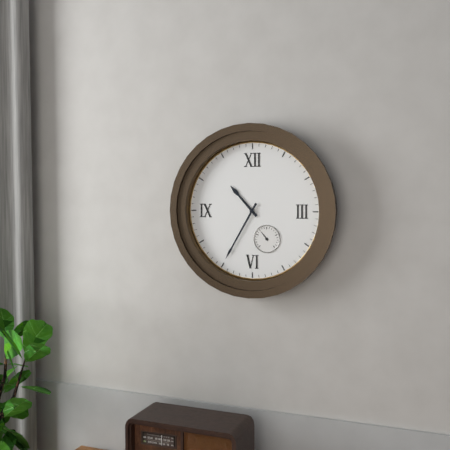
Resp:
h=10 m=35
